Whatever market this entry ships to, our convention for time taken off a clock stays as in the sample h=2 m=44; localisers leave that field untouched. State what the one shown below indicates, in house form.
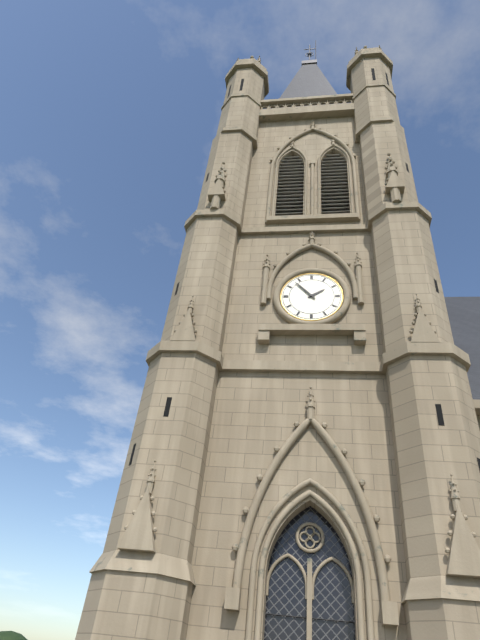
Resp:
h=1 m=53
